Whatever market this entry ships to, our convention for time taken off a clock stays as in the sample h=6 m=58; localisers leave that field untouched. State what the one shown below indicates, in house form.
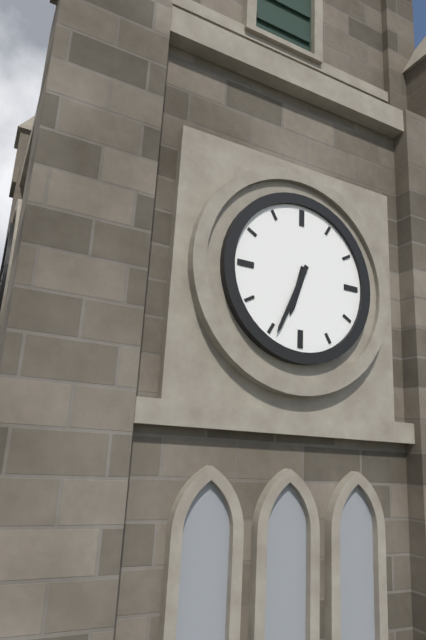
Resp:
h=6 m=34
